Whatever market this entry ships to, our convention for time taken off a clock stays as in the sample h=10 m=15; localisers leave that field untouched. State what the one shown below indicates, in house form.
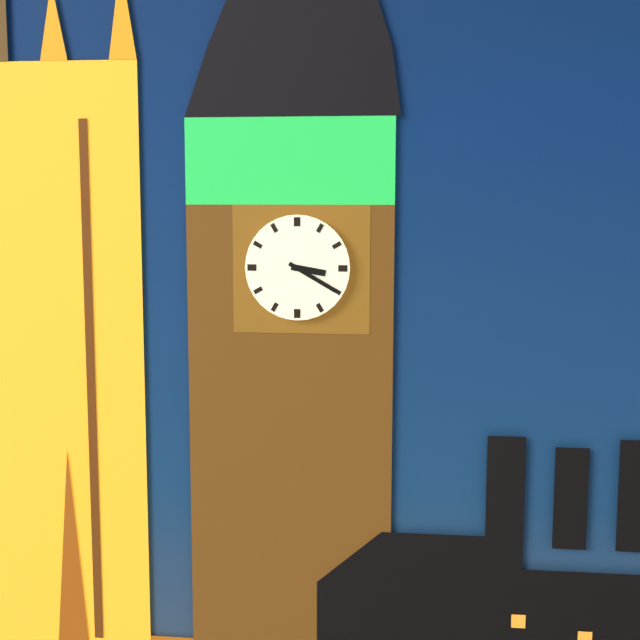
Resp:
h=3 m=20
